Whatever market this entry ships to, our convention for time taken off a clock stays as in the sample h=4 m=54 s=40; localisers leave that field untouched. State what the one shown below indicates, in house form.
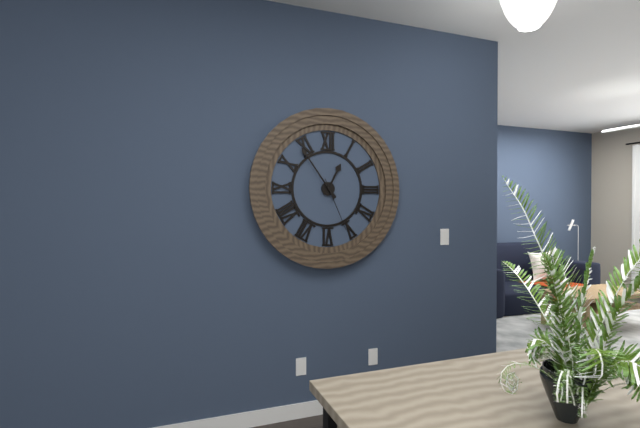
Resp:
h=12 m=54 s=26
